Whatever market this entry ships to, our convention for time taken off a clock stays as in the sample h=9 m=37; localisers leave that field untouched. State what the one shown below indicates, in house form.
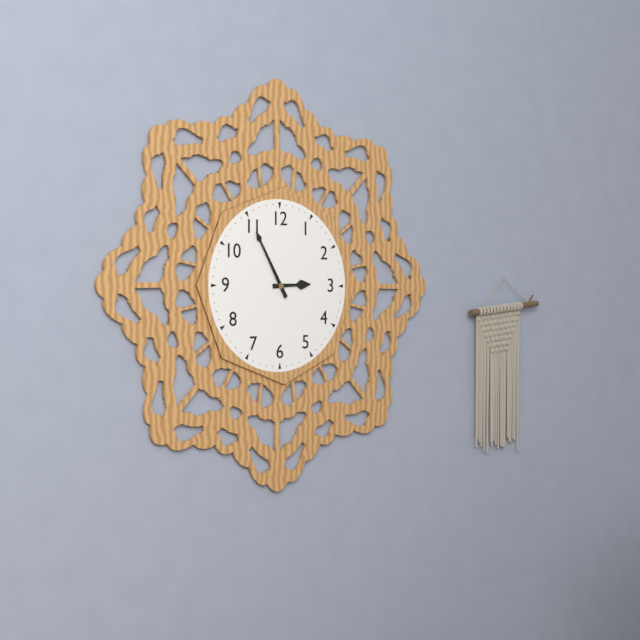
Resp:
h=2 m=55
